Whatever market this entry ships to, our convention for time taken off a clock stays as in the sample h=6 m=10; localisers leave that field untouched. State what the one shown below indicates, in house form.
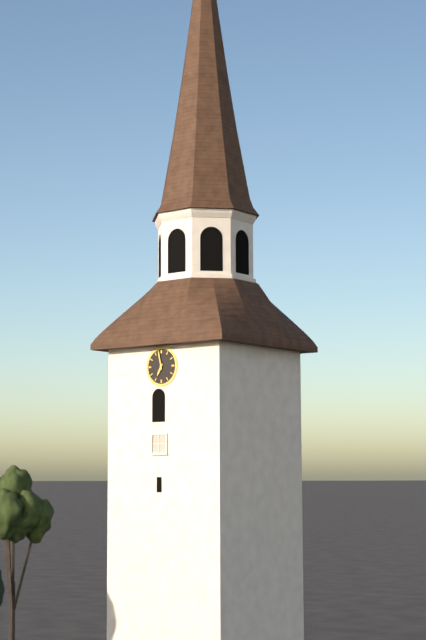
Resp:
h=6 m=58
